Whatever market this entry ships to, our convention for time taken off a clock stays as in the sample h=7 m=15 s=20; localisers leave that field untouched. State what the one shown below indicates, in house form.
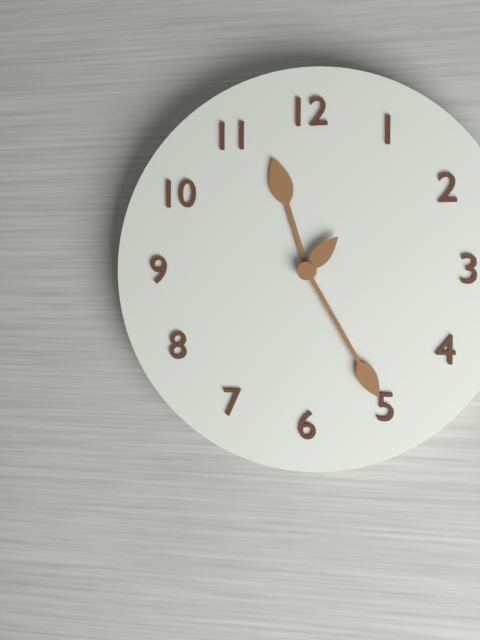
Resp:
h=11 m=25 s=7
